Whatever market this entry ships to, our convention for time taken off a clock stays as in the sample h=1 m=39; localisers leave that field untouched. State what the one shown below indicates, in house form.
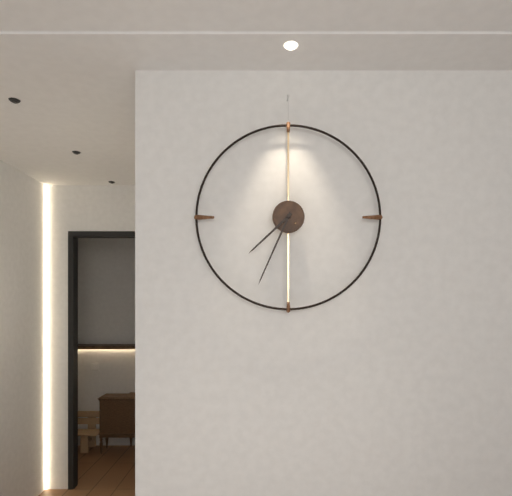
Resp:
h=7 m=34
